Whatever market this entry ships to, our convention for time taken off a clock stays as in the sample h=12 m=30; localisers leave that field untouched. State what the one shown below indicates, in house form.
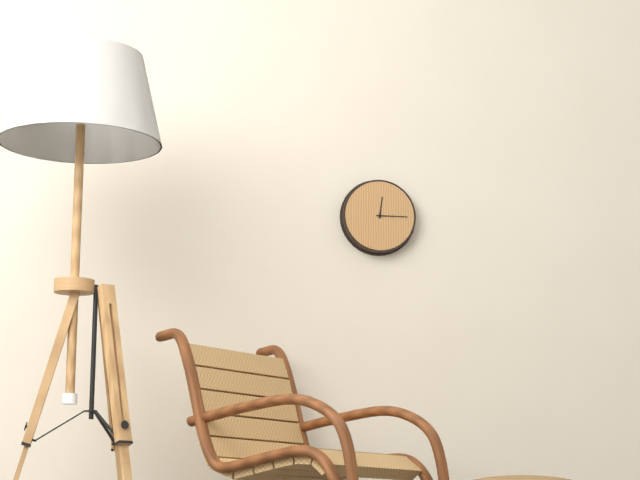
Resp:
h=12 m=15
